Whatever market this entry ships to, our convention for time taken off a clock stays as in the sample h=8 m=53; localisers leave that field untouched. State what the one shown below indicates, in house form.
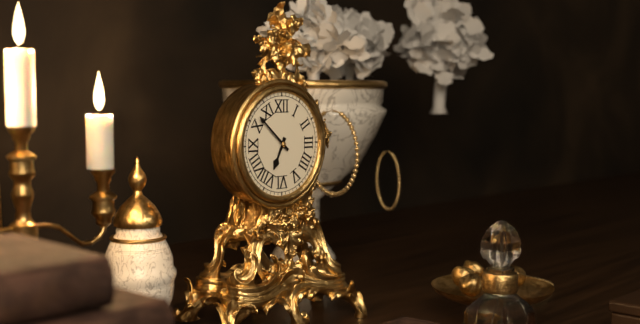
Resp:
h=6 m=52
